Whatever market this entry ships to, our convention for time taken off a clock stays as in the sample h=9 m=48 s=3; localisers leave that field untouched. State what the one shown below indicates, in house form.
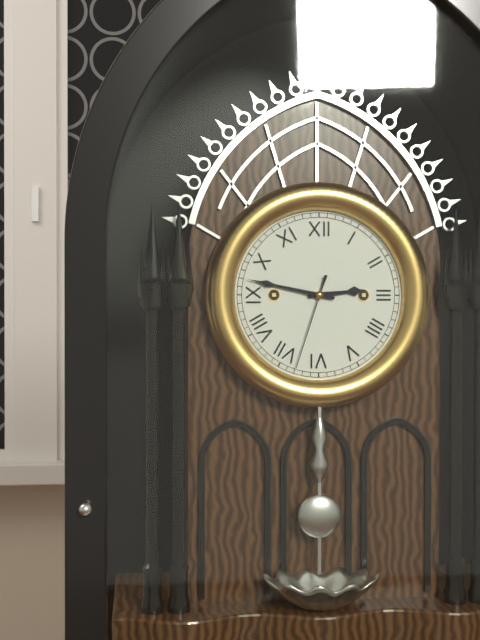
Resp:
h=2 m=47 s=33
